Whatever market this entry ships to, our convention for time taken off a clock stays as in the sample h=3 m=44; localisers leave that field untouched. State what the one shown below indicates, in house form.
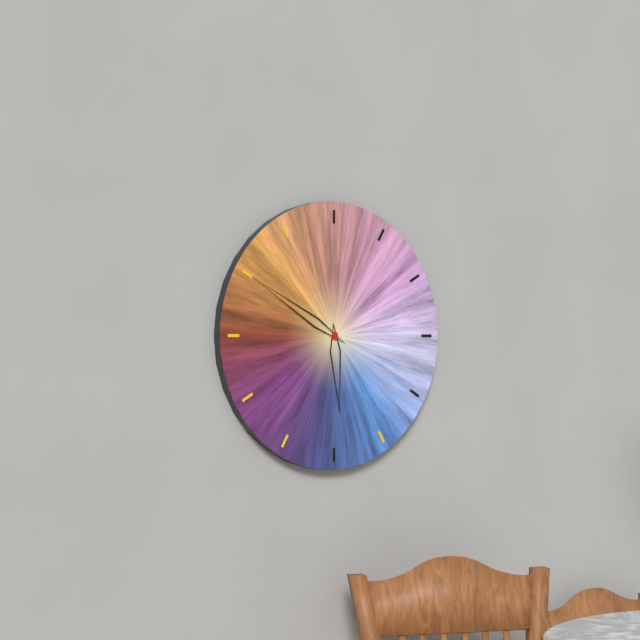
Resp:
h=5 m=50
